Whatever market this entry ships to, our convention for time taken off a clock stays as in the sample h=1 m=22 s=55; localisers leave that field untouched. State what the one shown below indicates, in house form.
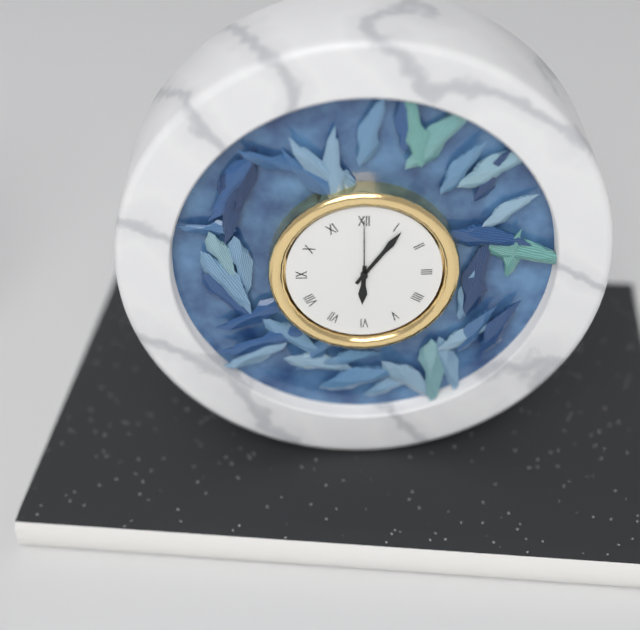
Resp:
h=6 m=6 s=0
